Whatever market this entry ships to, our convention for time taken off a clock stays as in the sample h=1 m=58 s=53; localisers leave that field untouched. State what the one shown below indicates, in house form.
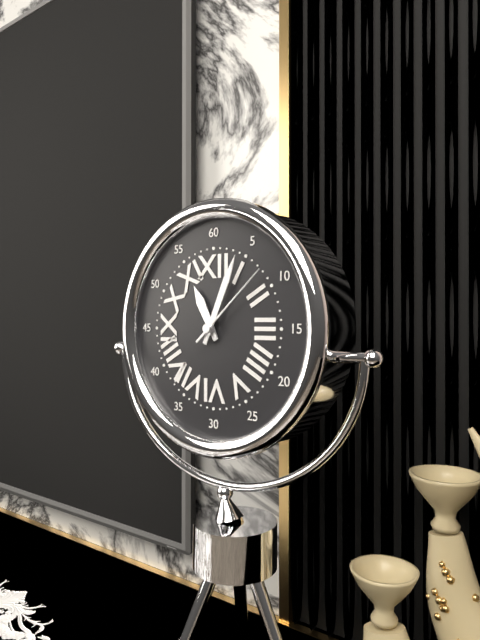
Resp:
h=11 m=4 s=8
